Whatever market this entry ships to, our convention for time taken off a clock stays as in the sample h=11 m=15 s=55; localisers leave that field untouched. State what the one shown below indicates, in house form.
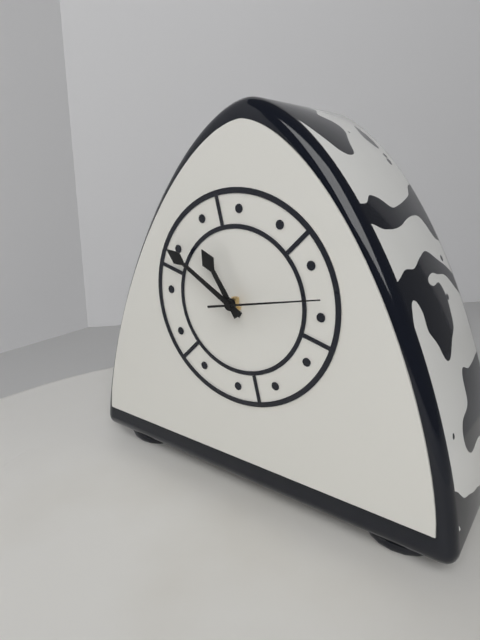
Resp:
h=10 m=50 s=13
